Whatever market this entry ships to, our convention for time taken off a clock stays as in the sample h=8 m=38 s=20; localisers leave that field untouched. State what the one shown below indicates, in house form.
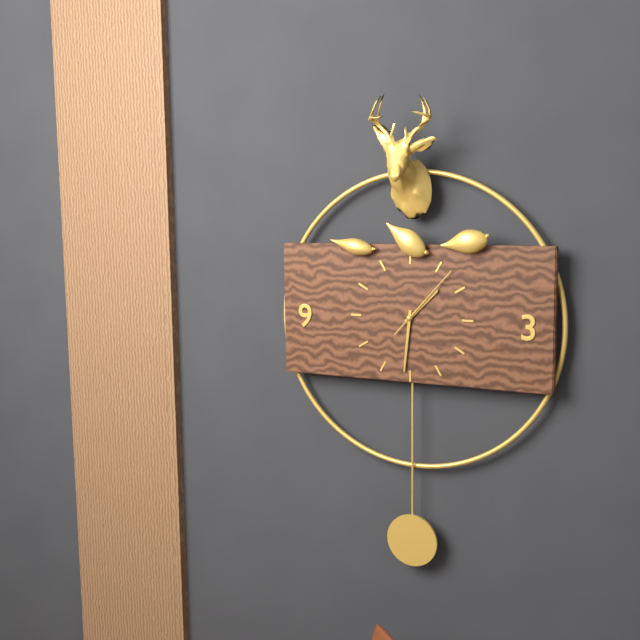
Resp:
h=1 m=31 s=7
